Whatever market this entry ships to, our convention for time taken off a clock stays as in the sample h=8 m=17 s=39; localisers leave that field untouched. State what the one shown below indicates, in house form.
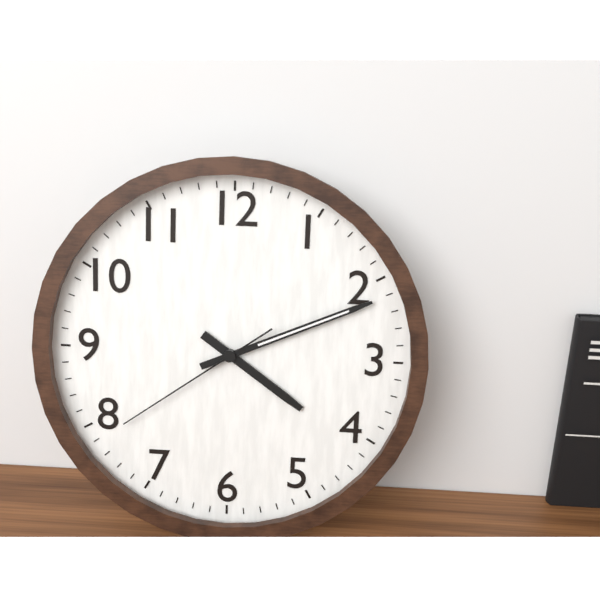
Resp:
h=4 m=11 s=39
